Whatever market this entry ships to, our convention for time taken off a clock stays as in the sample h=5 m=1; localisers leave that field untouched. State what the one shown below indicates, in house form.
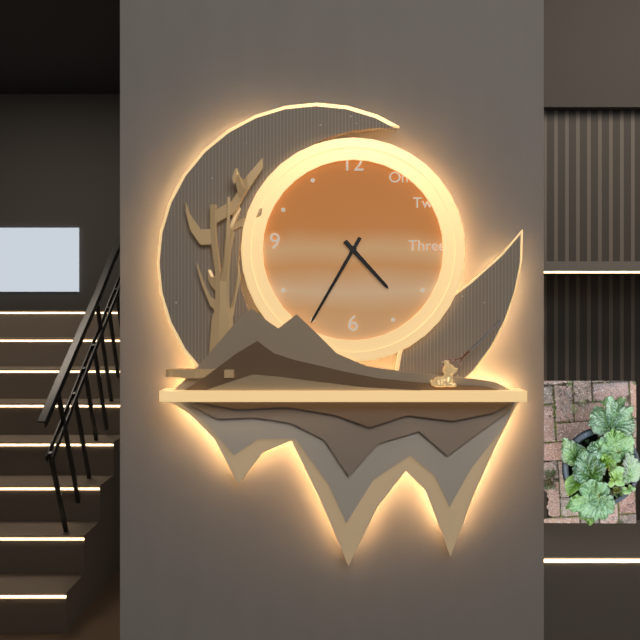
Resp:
h=4 m=35
